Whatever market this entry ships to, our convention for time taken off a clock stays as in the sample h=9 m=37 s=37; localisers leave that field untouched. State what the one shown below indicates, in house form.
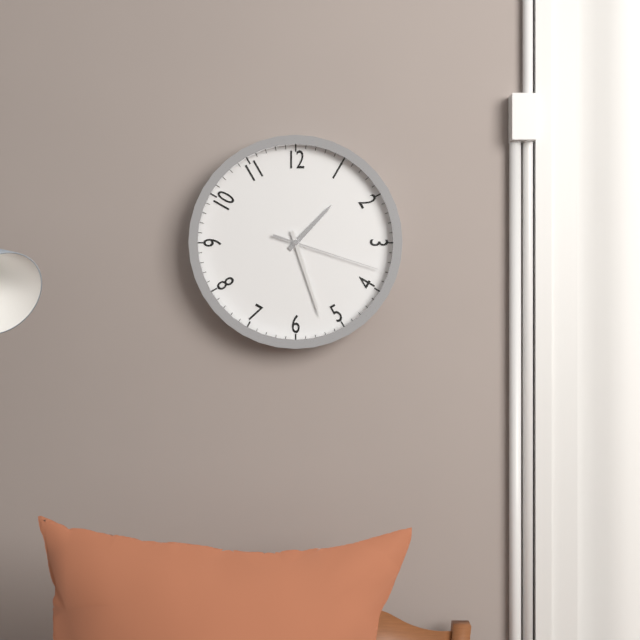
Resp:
h=1 m=27 s=18
